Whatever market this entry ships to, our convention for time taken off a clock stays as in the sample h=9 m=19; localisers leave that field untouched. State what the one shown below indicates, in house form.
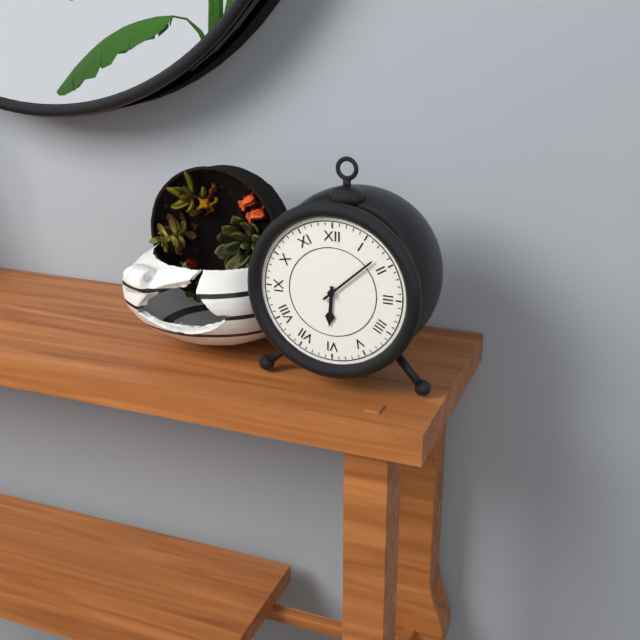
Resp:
h=6 m=8
